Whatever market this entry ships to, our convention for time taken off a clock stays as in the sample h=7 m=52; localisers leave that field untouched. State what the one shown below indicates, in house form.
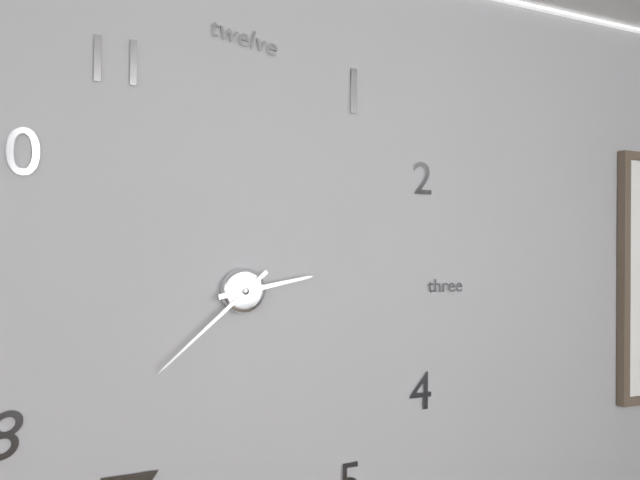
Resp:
h=2 m=38
